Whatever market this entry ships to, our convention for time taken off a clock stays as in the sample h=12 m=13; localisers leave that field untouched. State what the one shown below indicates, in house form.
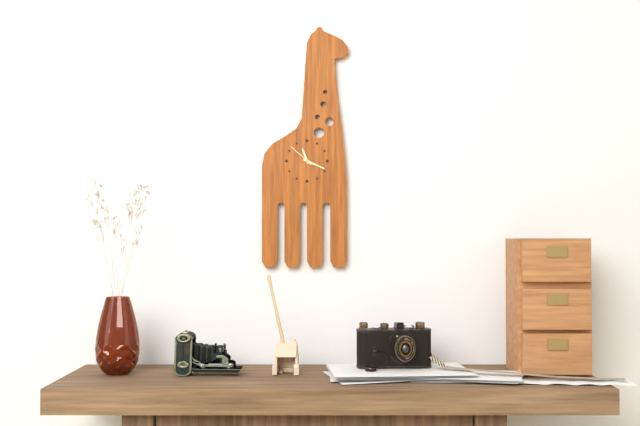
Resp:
h=11 m=19
